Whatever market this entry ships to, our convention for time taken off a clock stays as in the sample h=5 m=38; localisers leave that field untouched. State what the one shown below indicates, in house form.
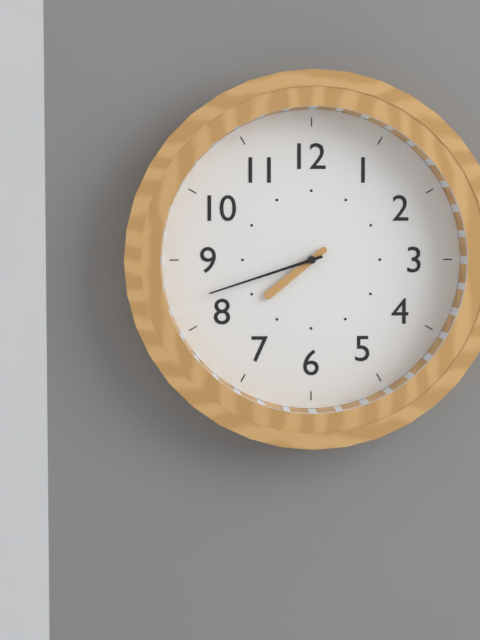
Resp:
h=7 m=42
